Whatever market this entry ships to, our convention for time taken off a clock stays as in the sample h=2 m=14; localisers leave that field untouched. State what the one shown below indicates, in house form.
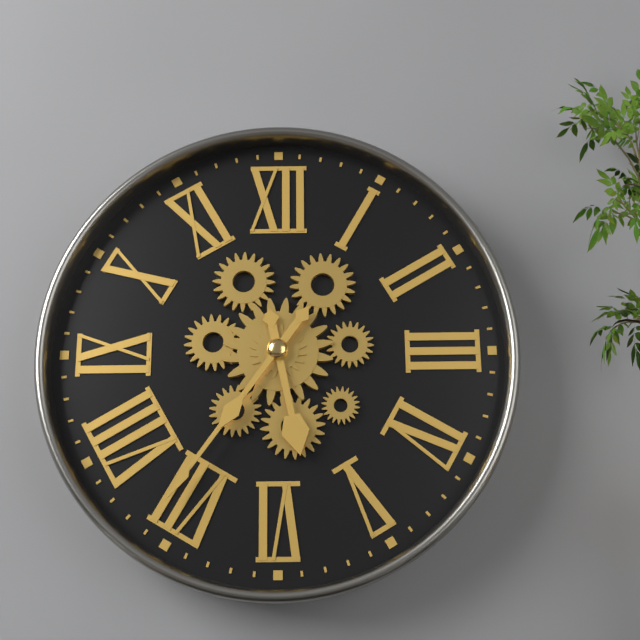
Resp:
h=5 m=36
